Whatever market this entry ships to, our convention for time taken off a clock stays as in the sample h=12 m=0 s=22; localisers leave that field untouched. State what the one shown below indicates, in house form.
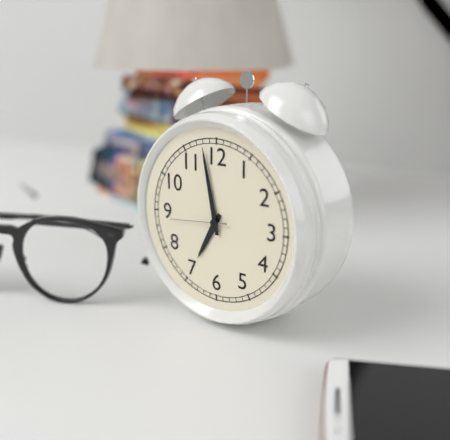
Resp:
h=6 m=58 s=44
